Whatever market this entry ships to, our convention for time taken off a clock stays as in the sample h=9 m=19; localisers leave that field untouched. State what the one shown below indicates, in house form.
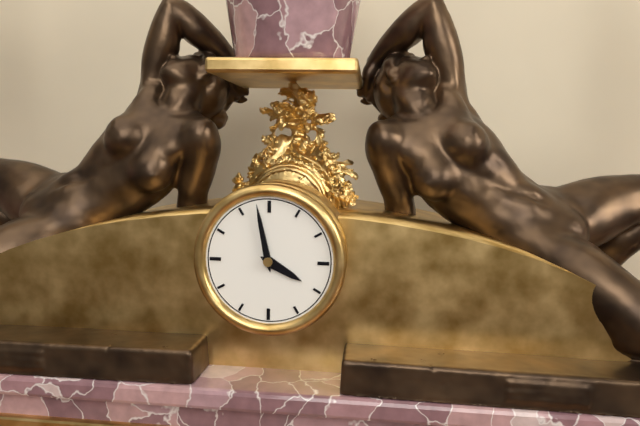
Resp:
h=3 m=58
